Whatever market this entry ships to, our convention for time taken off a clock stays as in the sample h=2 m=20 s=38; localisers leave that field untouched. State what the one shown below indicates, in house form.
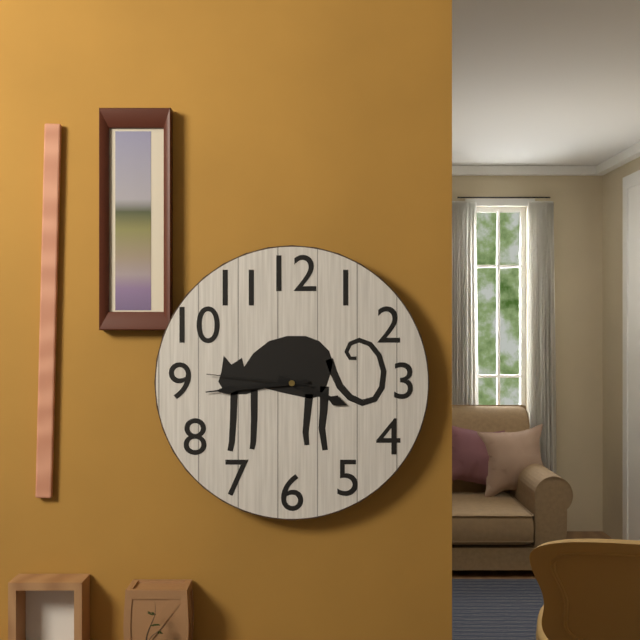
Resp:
h=3 m=44 s=46
